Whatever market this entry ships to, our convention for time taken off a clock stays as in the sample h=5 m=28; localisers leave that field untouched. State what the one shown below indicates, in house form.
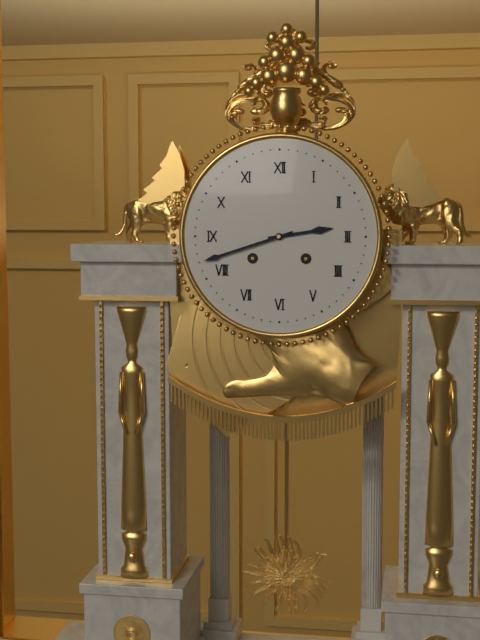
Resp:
h=2 m=42
